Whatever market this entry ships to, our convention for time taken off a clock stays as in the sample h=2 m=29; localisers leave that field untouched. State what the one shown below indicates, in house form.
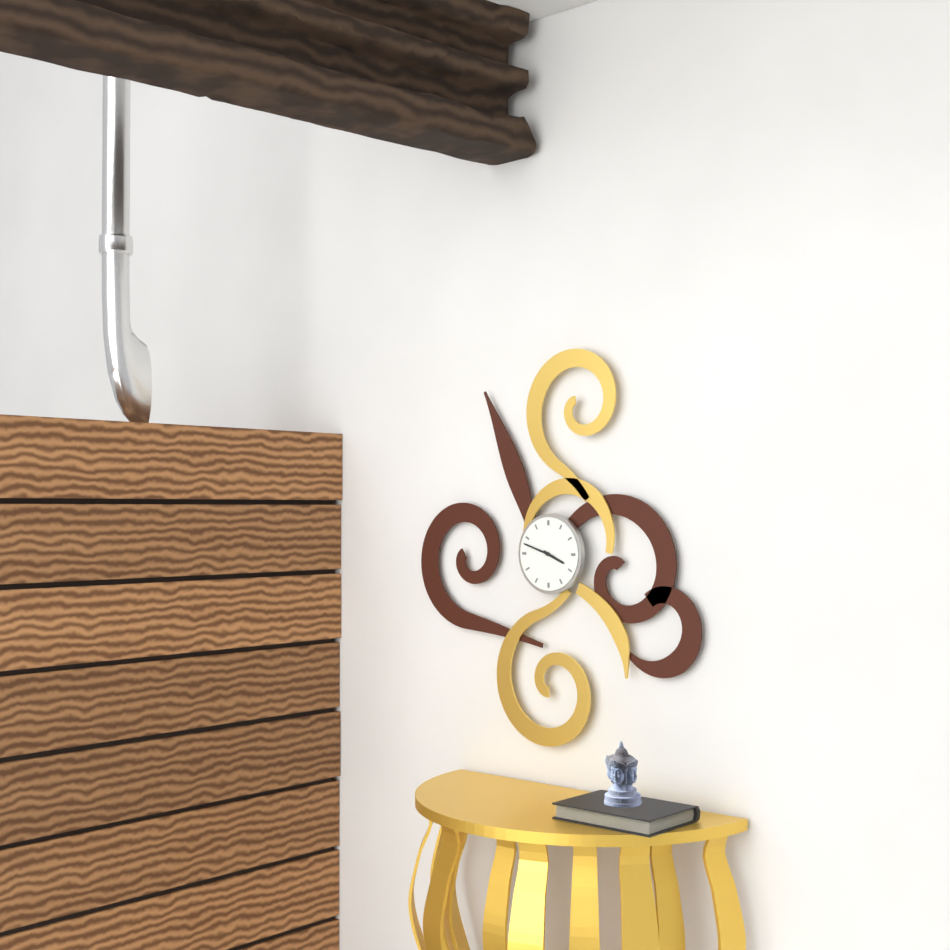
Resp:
h=3 m=48
